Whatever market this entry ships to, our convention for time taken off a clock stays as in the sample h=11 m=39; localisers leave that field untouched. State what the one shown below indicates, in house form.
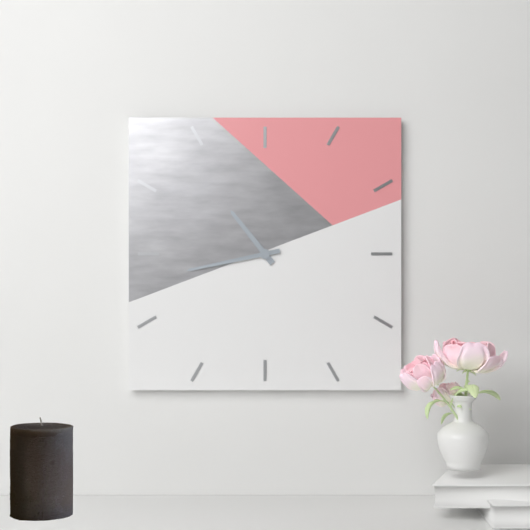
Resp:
h=10 m=43
